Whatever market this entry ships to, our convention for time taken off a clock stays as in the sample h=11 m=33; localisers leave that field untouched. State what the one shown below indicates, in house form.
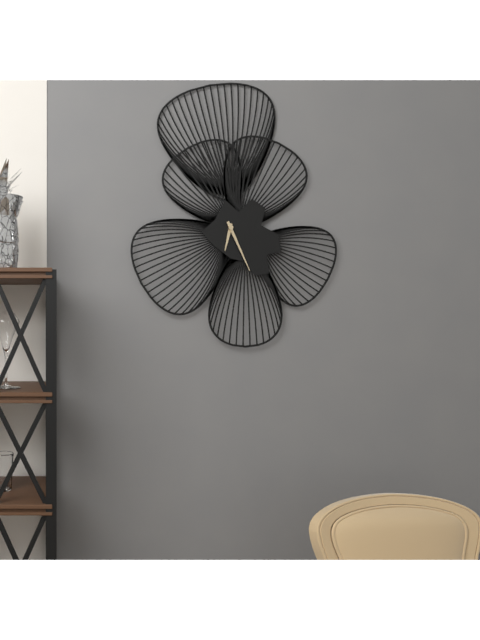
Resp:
h=6 m=26
